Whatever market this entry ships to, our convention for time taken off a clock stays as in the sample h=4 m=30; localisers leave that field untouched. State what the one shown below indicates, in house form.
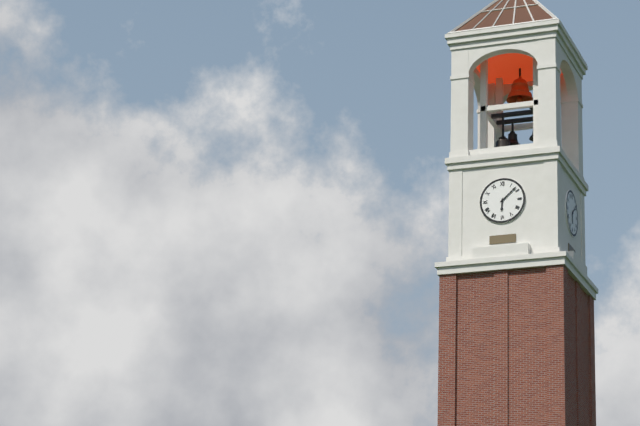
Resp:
h=6 m=8
